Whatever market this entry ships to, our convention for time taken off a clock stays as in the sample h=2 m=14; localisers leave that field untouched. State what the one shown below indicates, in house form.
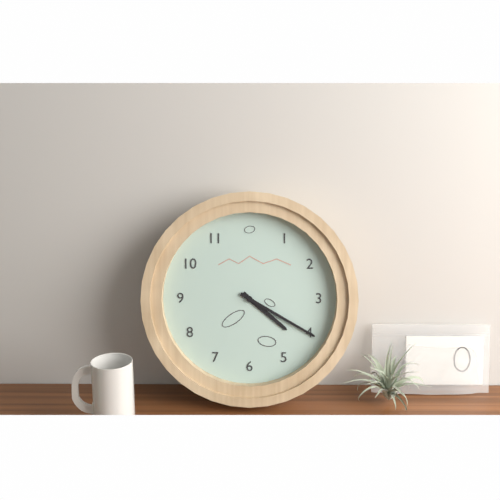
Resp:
h=4 m=20
